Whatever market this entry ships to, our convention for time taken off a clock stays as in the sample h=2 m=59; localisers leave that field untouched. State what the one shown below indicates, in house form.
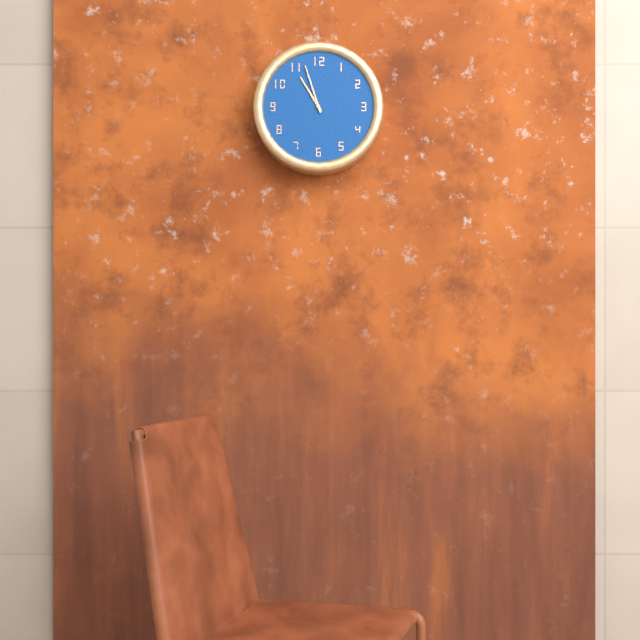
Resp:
h=10 m=57
